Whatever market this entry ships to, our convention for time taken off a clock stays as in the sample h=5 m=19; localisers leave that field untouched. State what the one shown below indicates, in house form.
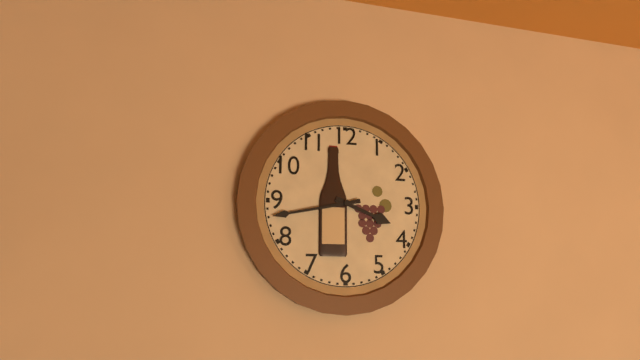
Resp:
h=3 m=43
